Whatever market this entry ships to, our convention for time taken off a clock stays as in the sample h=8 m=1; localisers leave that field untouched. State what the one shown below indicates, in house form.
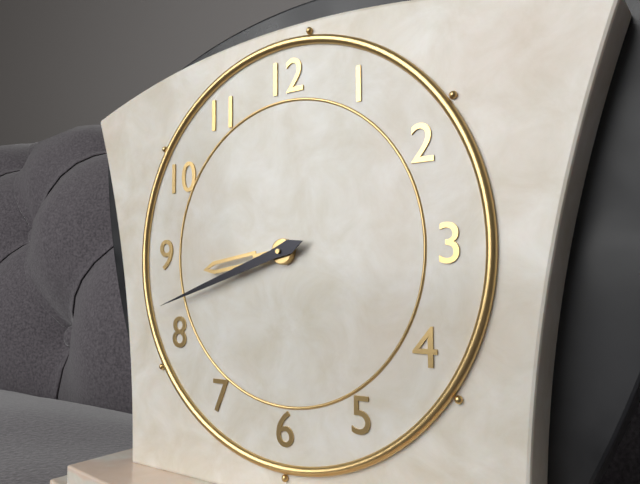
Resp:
h=8 m=42
